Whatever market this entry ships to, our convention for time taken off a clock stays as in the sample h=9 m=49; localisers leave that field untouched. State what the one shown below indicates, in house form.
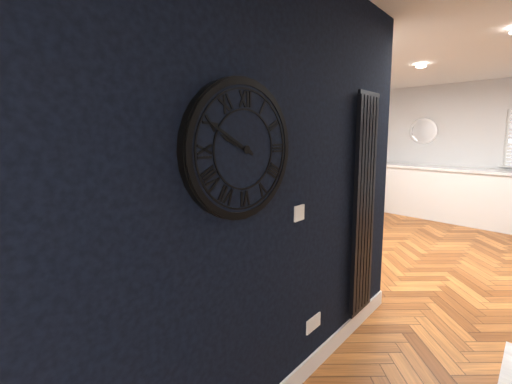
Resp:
h=9 m=50
